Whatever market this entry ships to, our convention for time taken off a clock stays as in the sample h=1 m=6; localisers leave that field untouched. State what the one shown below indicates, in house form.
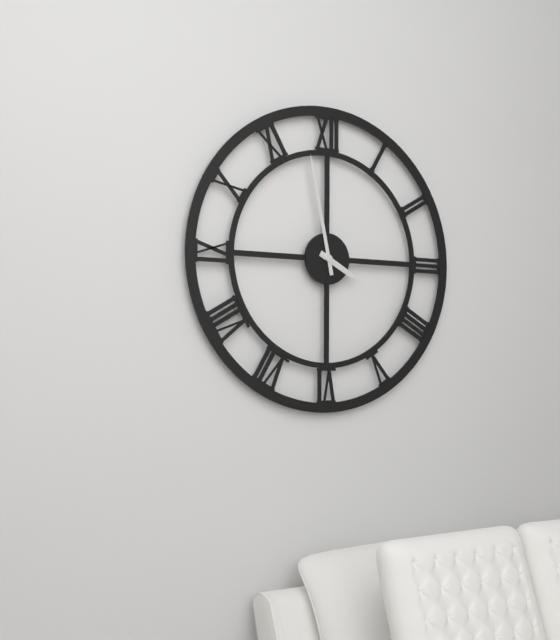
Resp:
h=3 m=58
